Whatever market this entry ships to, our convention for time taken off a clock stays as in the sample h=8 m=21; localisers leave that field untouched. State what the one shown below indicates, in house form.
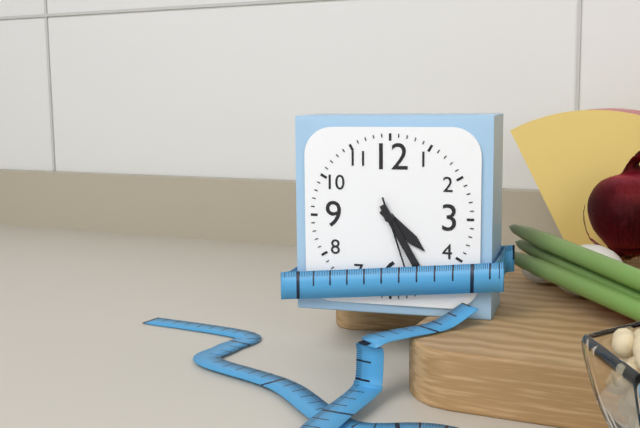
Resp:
h=4 m=25
